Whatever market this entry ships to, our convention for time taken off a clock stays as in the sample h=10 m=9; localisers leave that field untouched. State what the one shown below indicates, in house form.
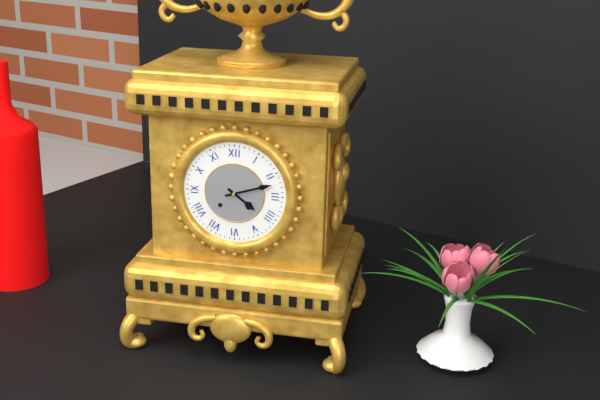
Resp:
h=4 m=12
